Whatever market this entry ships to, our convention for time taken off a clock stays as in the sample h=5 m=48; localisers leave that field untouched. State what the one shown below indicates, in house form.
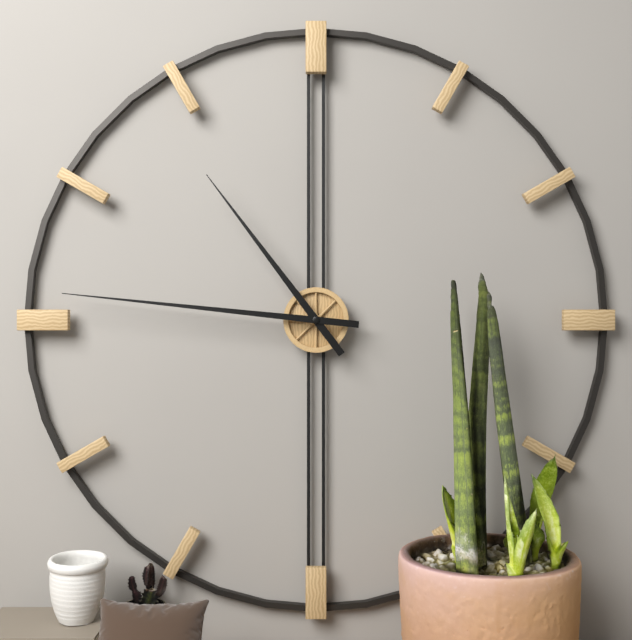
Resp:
h=10 m=46
